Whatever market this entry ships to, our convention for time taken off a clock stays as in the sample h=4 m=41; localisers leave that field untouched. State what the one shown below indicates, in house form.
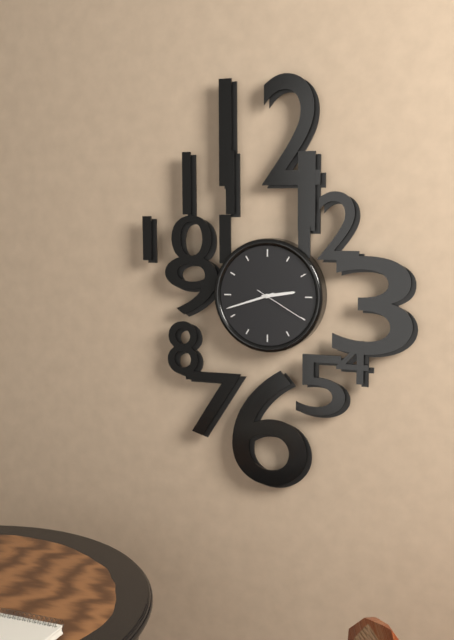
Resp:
h=2 m=42
